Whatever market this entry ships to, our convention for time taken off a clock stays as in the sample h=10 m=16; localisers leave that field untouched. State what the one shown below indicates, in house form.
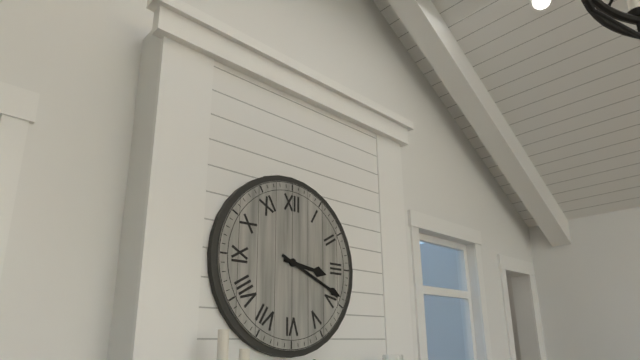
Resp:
h=3 m=19
